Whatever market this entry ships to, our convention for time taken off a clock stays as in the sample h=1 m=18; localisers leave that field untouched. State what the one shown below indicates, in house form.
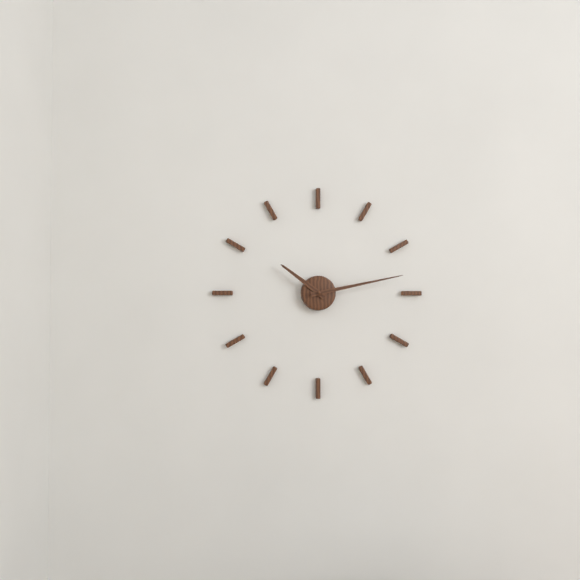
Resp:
h=10 m=13
